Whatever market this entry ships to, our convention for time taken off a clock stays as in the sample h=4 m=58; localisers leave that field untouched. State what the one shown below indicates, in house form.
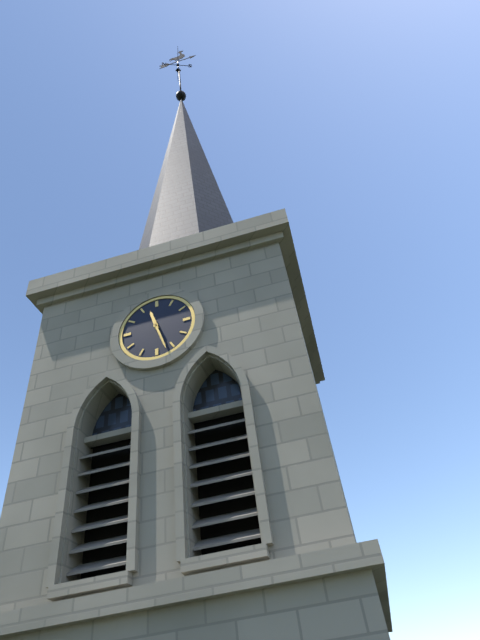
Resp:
h=11 m=27
